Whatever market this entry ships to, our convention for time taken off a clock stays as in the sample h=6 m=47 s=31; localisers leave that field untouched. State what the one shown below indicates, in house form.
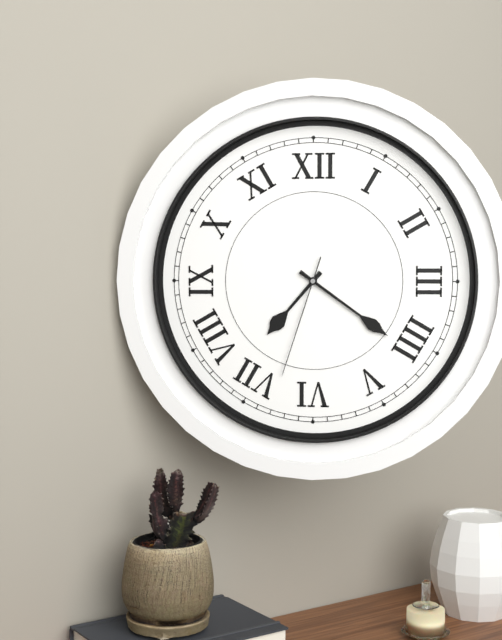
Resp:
h=7 m=21 s=33
